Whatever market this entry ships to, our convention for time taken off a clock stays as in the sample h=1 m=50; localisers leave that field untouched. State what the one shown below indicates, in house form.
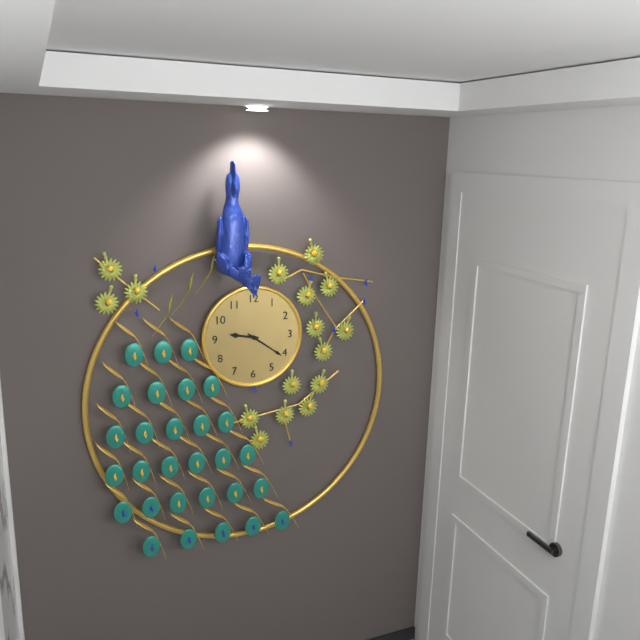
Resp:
h=9 m=21
